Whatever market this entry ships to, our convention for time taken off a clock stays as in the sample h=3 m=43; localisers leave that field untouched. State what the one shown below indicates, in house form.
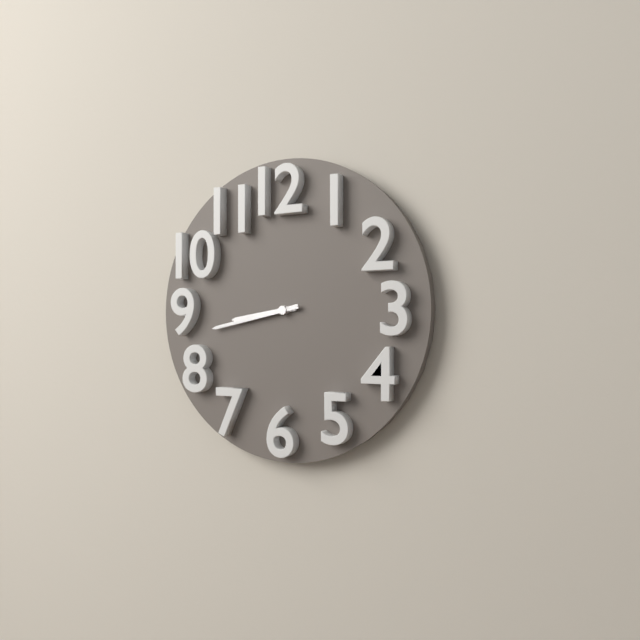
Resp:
h=8 m=43
